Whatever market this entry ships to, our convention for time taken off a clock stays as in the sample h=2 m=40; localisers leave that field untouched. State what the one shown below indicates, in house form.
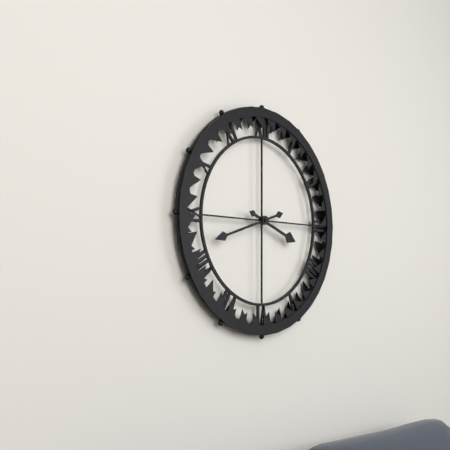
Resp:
h=3 m=42
